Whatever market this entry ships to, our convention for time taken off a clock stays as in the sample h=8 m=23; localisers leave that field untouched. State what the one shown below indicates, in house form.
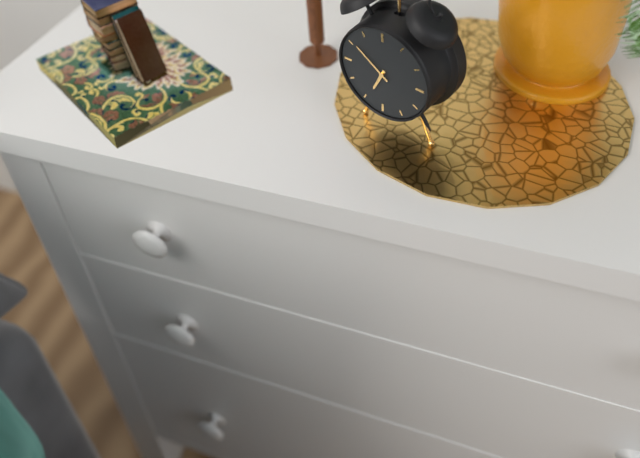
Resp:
h=6 m=51
